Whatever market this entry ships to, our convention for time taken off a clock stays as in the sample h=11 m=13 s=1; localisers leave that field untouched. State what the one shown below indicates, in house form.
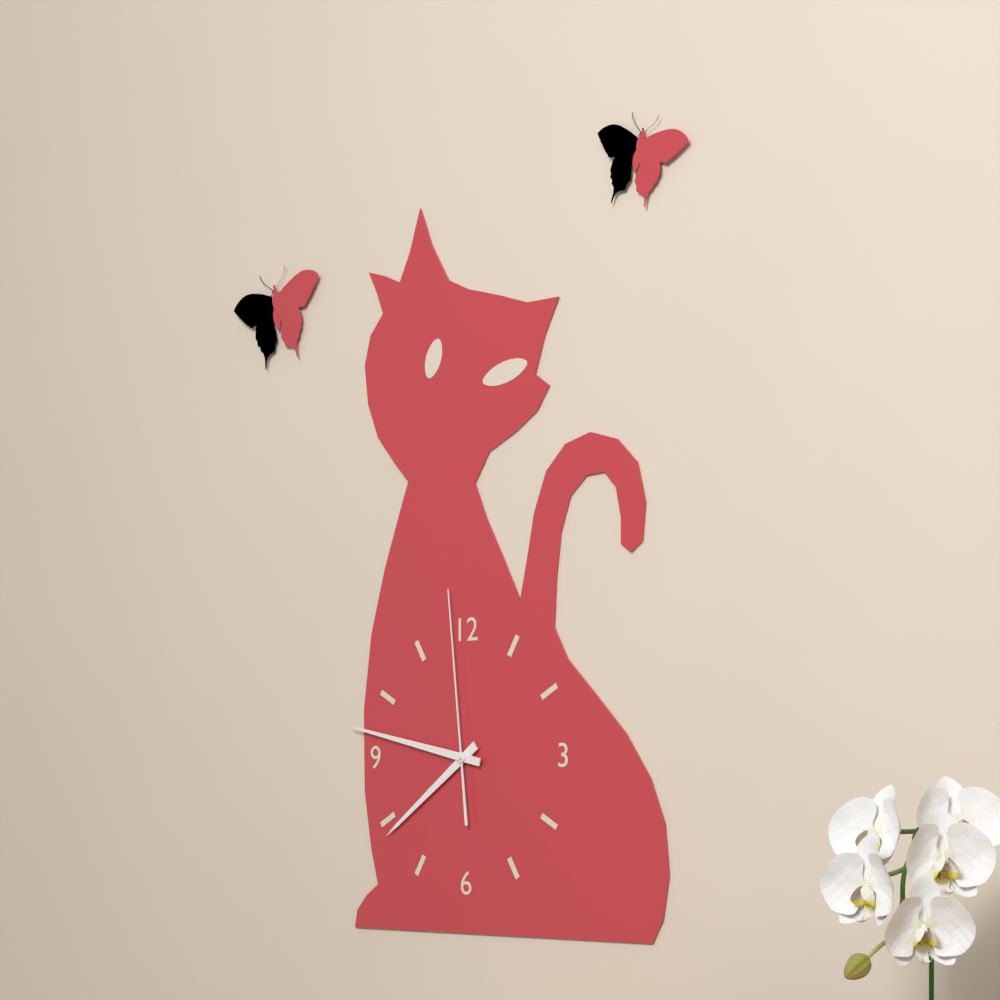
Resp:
h=7 m=47 s=59
